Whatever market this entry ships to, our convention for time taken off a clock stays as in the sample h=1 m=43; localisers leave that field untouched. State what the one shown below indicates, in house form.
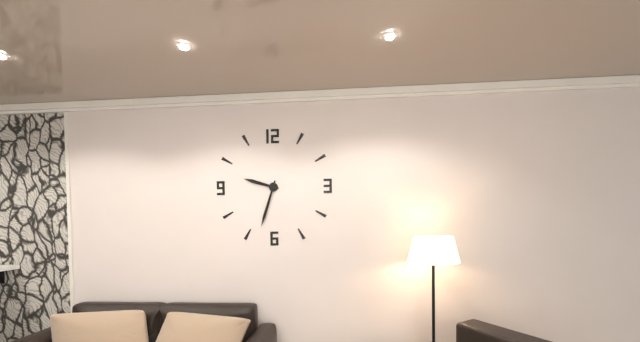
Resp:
h=9 m=33
